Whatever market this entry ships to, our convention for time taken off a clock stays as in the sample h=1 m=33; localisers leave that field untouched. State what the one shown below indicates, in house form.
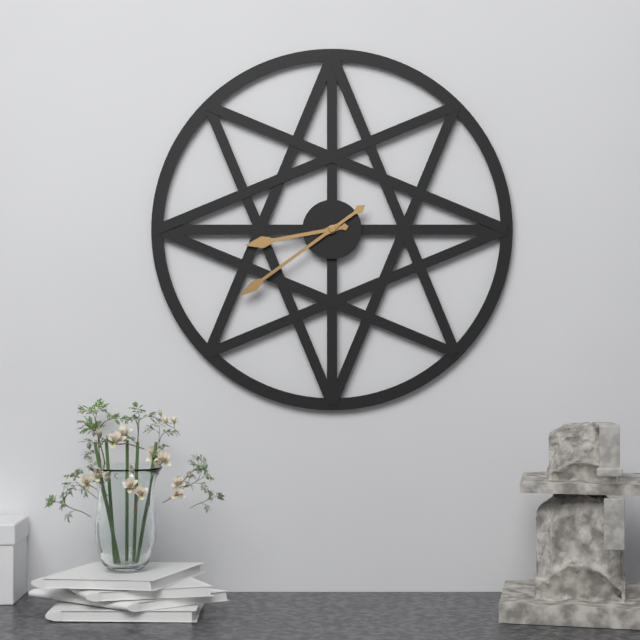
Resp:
h=8 m=39
